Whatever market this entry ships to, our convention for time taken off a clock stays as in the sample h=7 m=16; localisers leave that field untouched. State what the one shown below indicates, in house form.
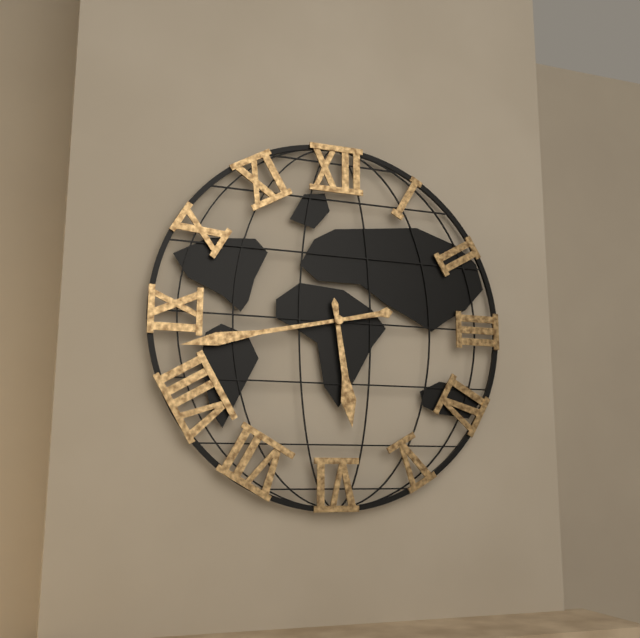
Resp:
h=5 m=43
